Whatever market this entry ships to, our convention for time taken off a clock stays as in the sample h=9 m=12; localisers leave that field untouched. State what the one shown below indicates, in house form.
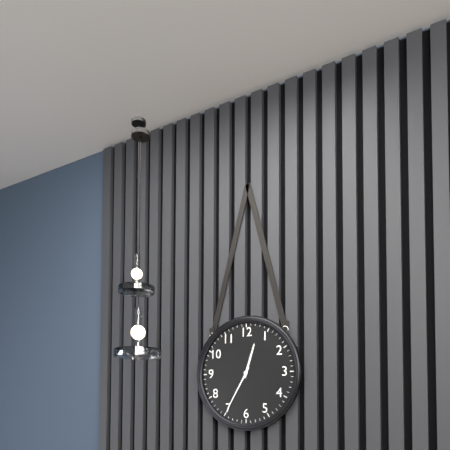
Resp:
h=12 m=35
